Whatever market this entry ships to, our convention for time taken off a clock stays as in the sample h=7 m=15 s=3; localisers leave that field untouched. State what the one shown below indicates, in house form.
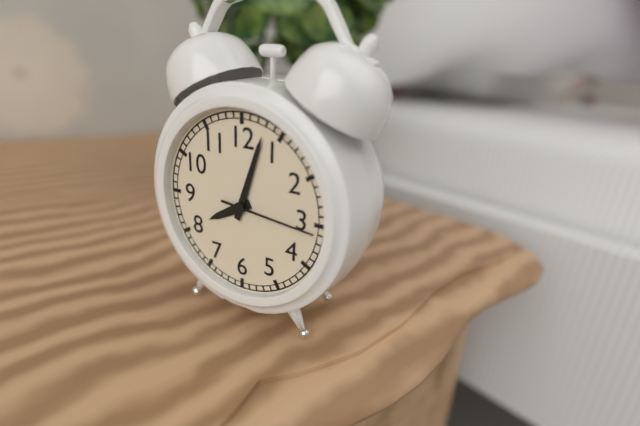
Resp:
h=8 m=3 s=16
